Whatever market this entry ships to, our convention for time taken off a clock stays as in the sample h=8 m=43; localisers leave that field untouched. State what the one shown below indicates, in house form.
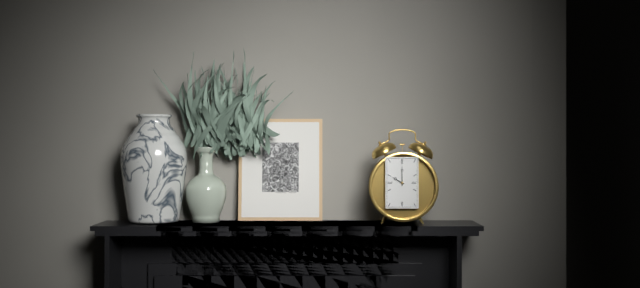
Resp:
h=10 m=0
